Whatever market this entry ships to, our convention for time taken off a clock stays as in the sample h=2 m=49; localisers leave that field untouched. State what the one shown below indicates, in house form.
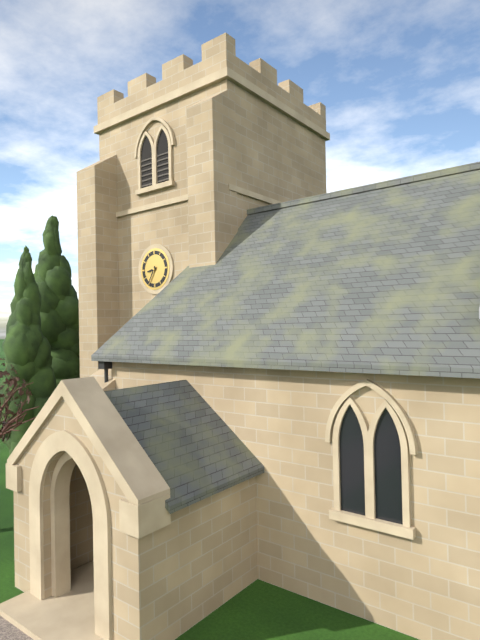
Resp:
h=8 m=35
